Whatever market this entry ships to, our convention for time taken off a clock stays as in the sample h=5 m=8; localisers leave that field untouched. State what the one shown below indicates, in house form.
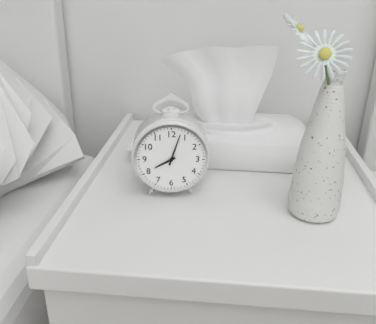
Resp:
h=8 m=3
